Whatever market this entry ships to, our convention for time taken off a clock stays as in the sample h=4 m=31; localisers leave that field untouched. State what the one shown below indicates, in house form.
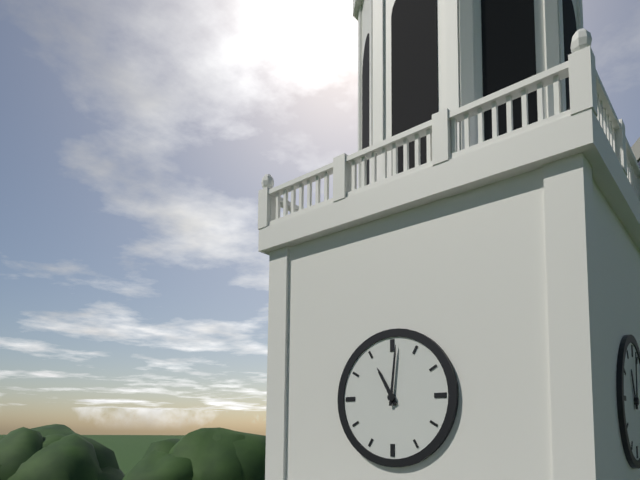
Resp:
h=11 m=1
